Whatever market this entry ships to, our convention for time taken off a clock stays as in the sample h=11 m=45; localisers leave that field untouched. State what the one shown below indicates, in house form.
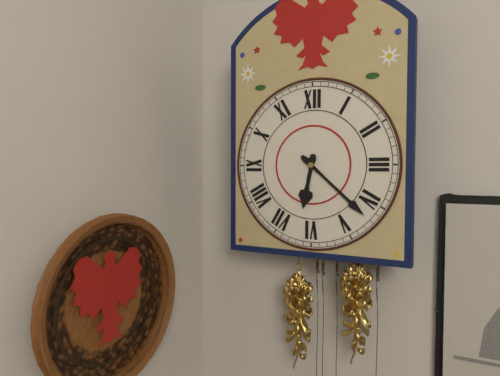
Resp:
h=6 m=22
